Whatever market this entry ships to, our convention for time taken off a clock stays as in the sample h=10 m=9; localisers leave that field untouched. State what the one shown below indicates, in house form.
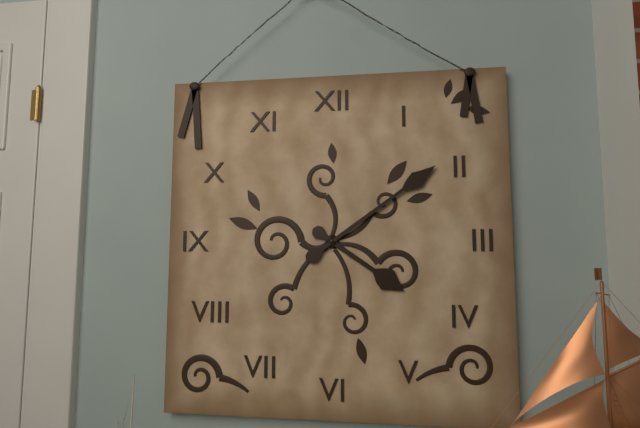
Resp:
h=4 m=9
